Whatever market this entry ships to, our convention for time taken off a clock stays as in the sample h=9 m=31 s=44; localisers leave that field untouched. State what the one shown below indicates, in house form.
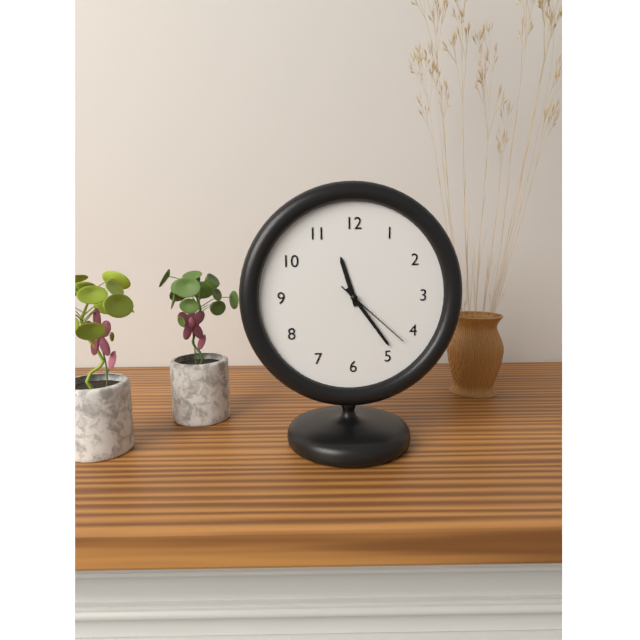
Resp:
h=11 m=24 s=22
